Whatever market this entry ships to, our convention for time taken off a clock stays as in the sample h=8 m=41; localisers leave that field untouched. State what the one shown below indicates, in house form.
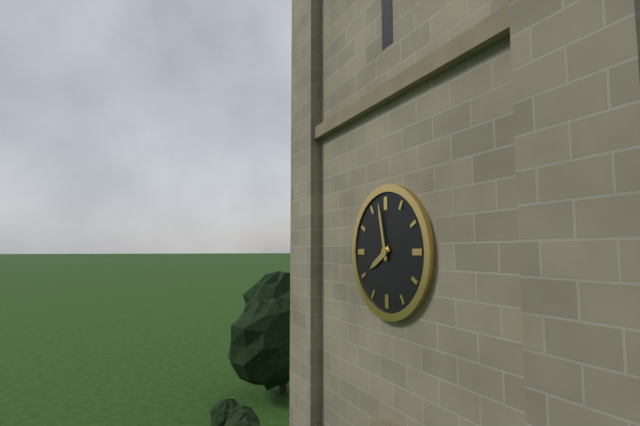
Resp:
h=7 m=58
